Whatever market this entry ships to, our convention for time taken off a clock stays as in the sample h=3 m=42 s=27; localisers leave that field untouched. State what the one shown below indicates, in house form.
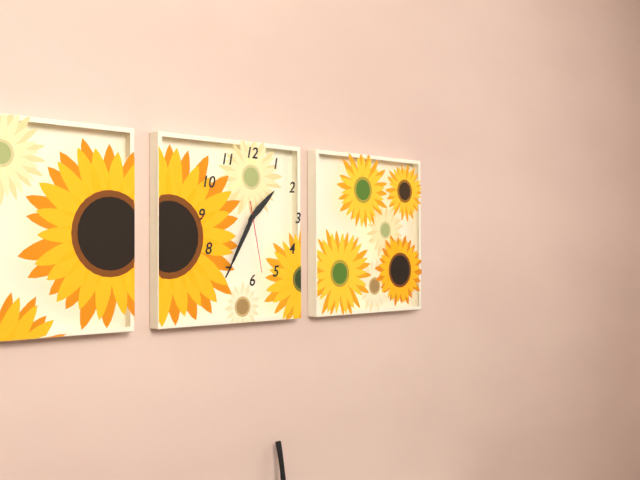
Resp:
h=1 m=35 s=28
